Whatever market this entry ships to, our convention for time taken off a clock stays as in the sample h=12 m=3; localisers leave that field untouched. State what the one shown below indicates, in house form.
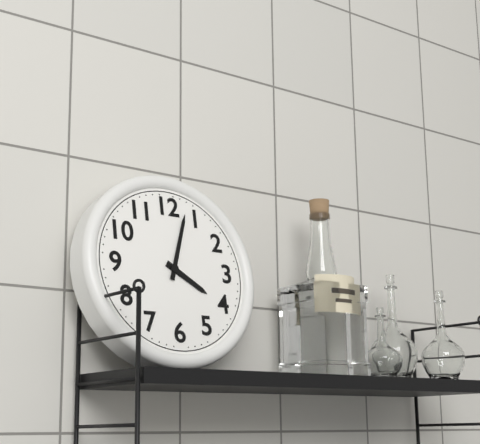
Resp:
h=4 m=3
